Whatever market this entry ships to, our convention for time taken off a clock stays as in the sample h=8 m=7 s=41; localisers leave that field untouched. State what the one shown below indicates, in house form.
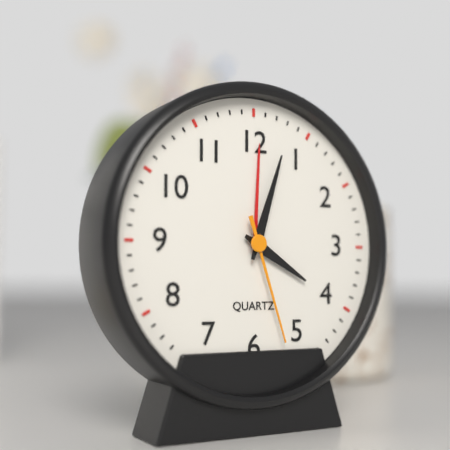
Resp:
h=4 m=3 s=27
